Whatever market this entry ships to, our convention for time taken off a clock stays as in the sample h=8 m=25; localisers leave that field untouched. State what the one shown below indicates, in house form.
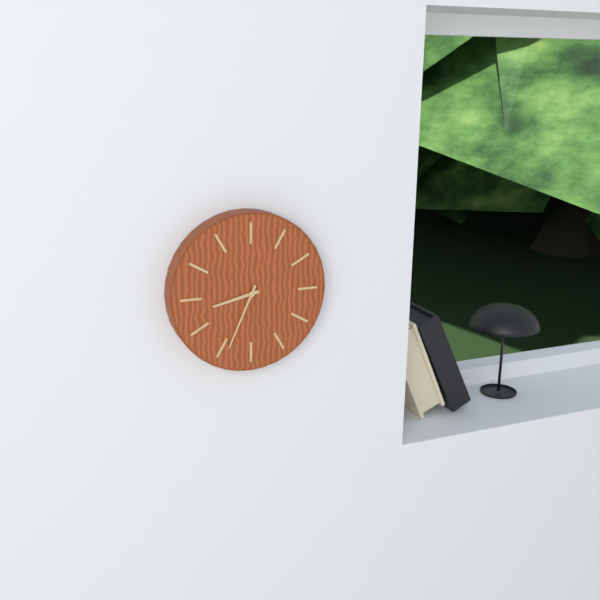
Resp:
h=8 m=34
